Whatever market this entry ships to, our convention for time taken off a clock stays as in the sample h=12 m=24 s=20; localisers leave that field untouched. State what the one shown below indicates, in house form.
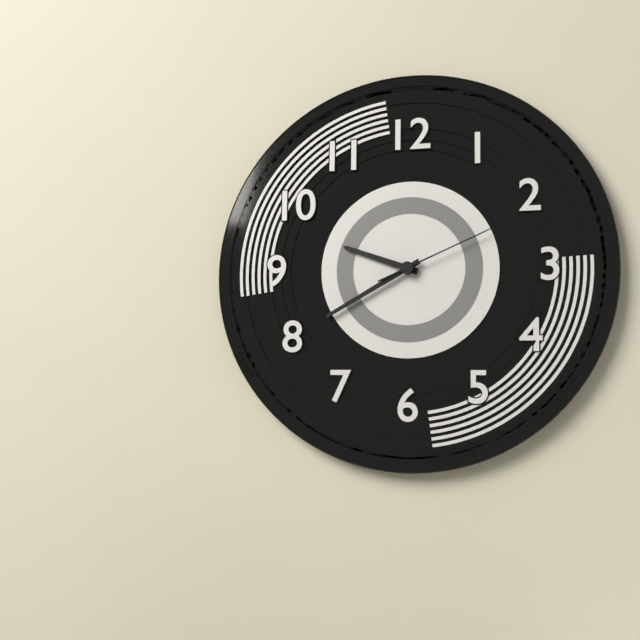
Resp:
h=9 m=40 s=11
